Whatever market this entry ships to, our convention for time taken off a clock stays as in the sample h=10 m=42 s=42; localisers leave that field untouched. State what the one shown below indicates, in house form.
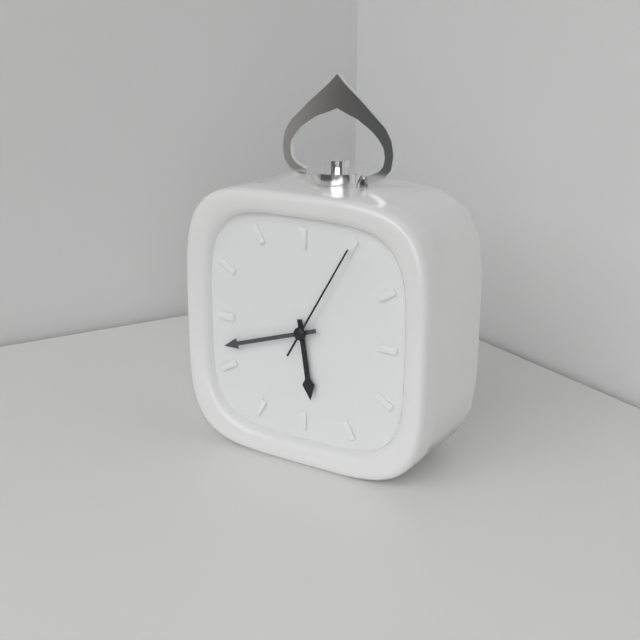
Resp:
h=5 m=42 s=5
